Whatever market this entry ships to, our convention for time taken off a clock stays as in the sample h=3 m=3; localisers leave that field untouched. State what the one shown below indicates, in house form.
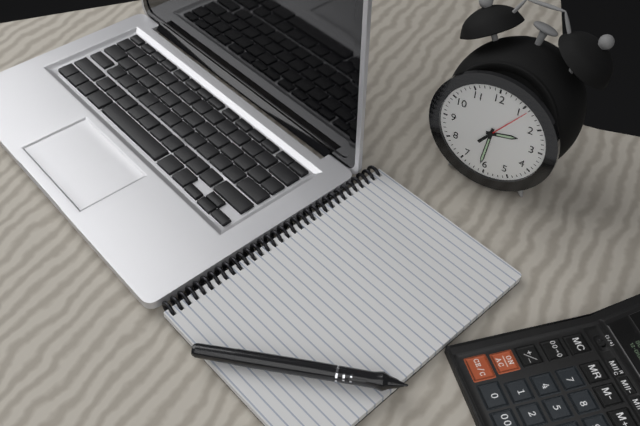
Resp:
h=2 m=31
